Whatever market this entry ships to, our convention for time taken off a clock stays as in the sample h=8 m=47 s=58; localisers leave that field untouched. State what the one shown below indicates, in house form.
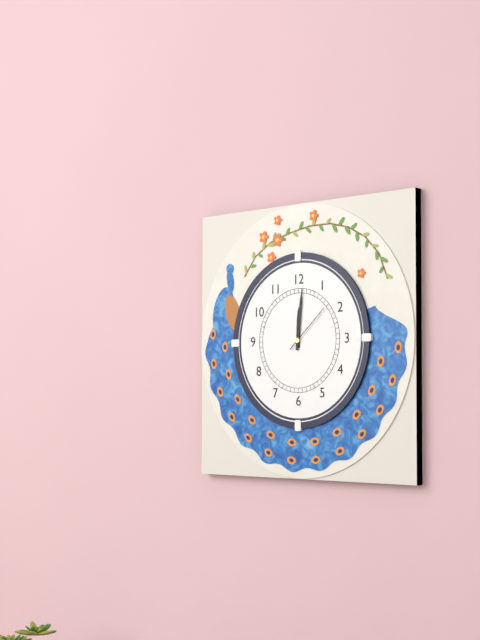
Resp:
h=12 m=1 s=8
